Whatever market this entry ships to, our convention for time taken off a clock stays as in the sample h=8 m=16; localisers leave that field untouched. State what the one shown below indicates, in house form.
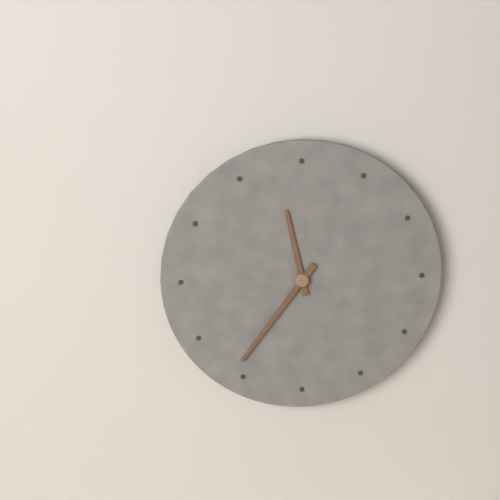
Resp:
h=11 m=36
